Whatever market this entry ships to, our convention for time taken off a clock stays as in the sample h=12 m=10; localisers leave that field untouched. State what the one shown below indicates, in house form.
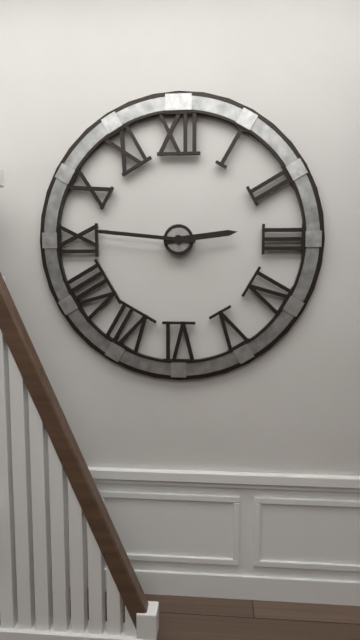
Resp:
h=2 m=46
